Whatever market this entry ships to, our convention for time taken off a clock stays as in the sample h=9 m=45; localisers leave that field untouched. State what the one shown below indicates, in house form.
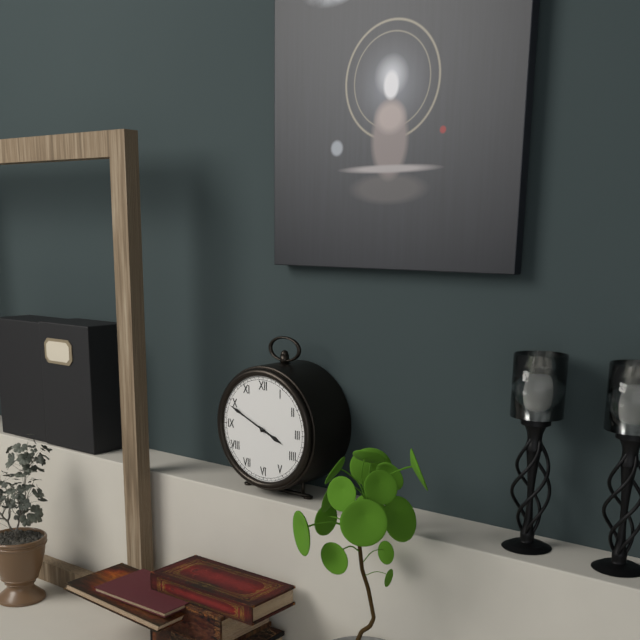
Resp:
h=3 m=49
